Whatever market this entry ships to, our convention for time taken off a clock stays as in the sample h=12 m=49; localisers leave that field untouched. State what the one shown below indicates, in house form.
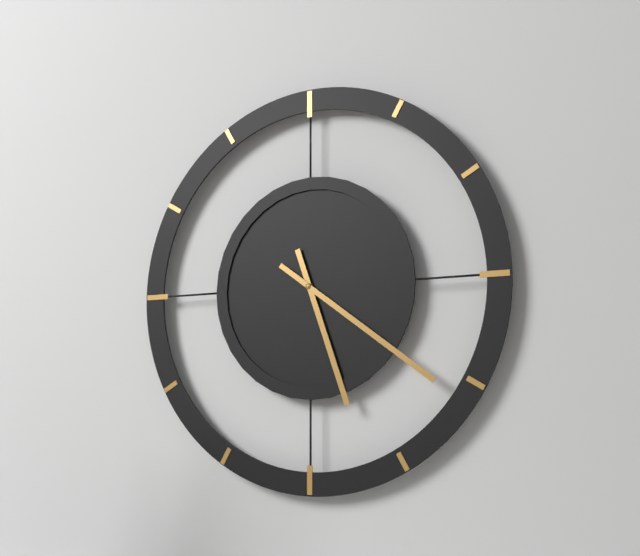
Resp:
h=5 m=21
